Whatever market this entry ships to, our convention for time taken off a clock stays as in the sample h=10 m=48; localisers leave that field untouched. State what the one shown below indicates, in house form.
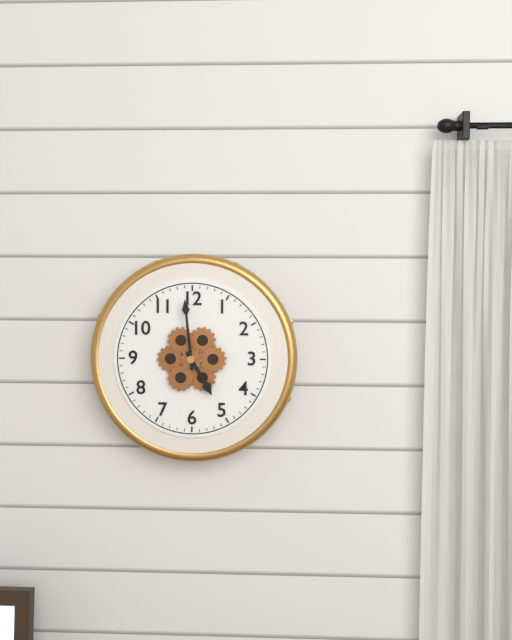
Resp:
h=4 m=59
